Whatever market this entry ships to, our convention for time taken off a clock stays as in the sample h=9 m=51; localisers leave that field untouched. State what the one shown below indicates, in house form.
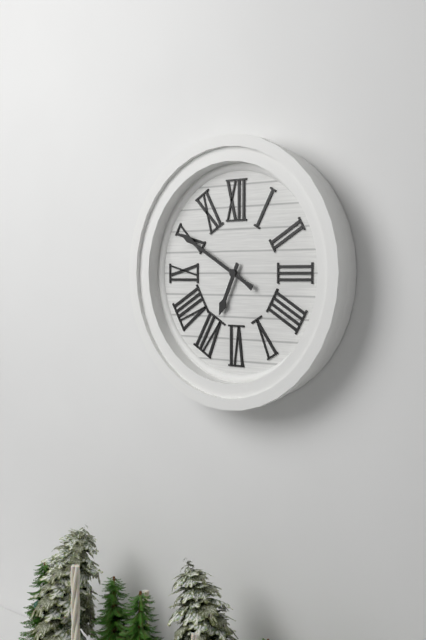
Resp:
h=6 m=50
